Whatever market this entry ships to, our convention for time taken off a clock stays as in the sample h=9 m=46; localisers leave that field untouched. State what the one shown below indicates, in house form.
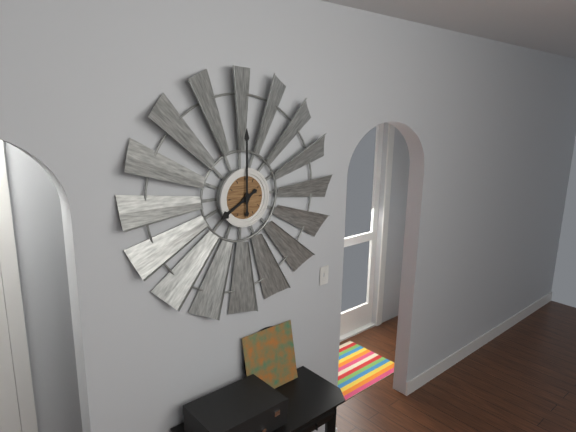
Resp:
h=8 m=0
